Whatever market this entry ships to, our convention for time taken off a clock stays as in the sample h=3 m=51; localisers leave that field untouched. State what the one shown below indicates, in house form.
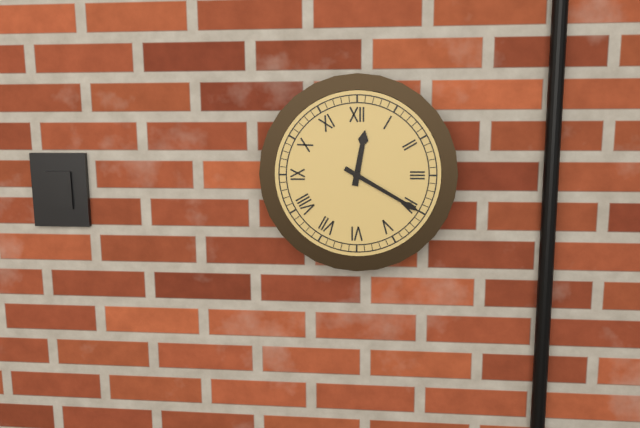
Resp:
h=12 m=20
